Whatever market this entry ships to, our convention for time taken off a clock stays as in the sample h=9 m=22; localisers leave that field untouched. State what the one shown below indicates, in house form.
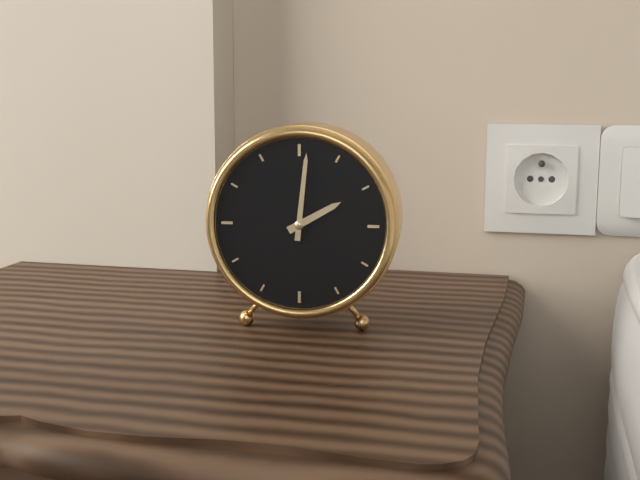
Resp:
h=2 m=1
